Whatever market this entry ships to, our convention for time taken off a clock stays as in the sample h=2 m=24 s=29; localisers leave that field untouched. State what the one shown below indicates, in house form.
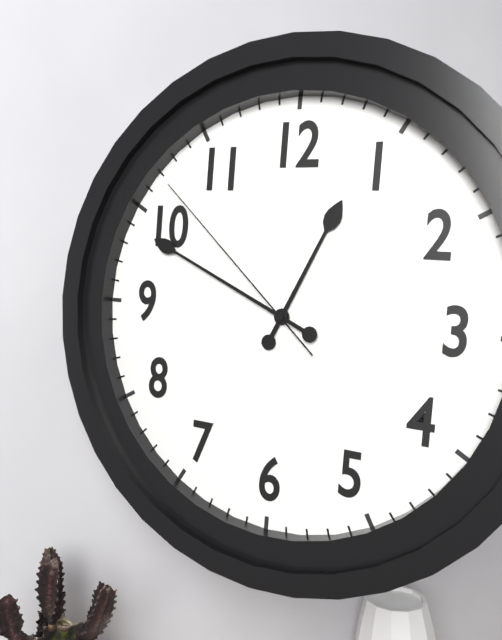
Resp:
h=12 m=49 s=52
